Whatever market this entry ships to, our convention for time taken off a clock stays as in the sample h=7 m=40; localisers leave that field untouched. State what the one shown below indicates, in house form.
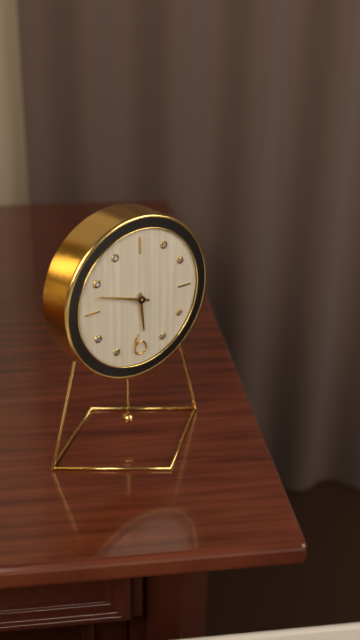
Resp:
h=5 m=48
